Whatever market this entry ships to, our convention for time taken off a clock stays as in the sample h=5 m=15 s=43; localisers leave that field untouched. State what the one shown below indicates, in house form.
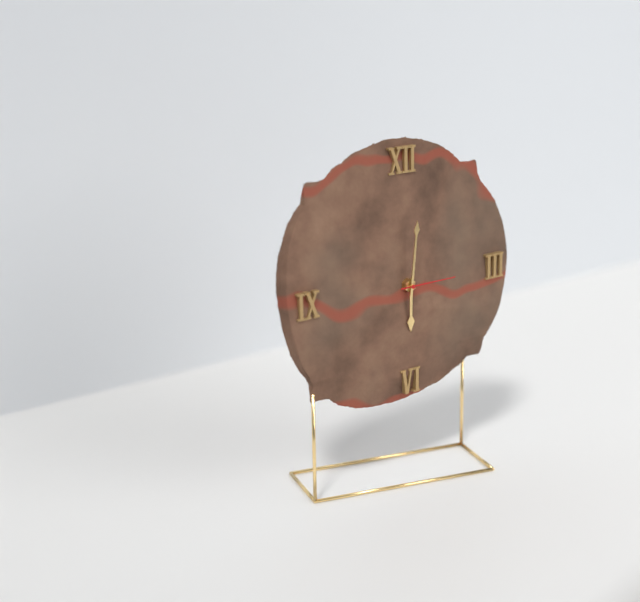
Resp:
h=6 m=1 s=15
